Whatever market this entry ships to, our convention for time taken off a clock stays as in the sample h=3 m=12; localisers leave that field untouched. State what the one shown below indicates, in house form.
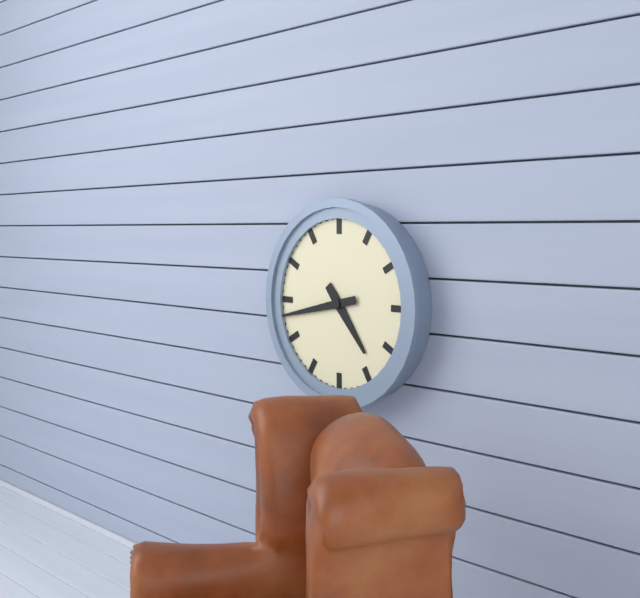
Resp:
h=4 m=43
